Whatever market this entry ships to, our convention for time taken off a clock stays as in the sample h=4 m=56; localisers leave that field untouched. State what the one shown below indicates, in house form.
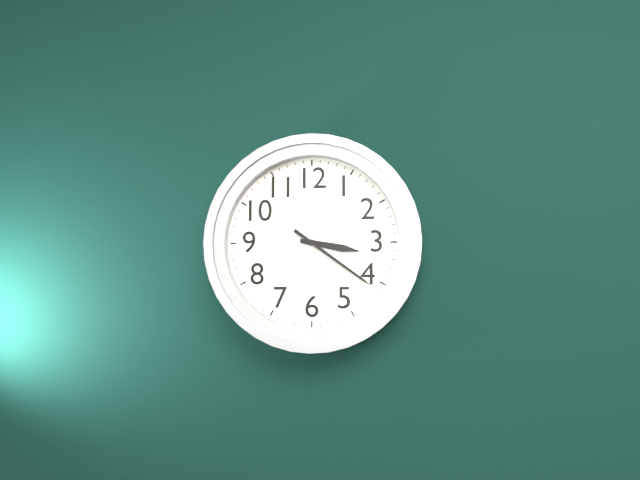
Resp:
h=3 m=21
